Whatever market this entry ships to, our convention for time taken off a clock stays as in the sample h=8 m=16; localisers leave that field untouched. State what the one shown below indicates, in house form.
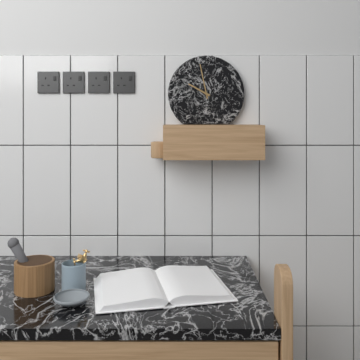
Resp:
h=9 m=58
